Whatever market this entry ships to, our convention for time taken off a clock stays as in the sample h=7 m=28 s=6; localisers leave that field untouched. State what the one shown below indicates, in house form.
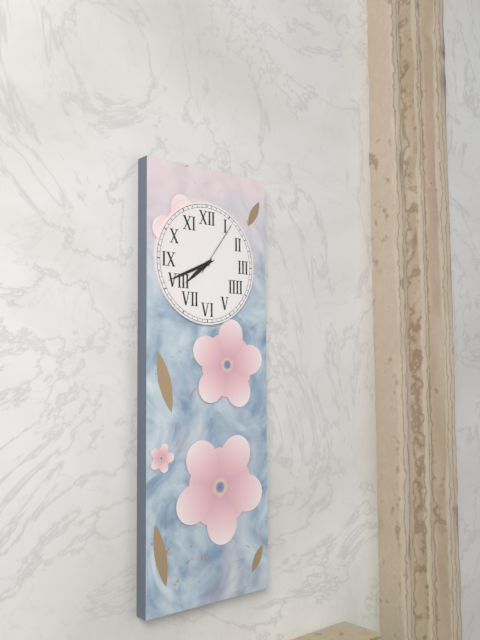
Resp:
h=7 m=41 s=6
